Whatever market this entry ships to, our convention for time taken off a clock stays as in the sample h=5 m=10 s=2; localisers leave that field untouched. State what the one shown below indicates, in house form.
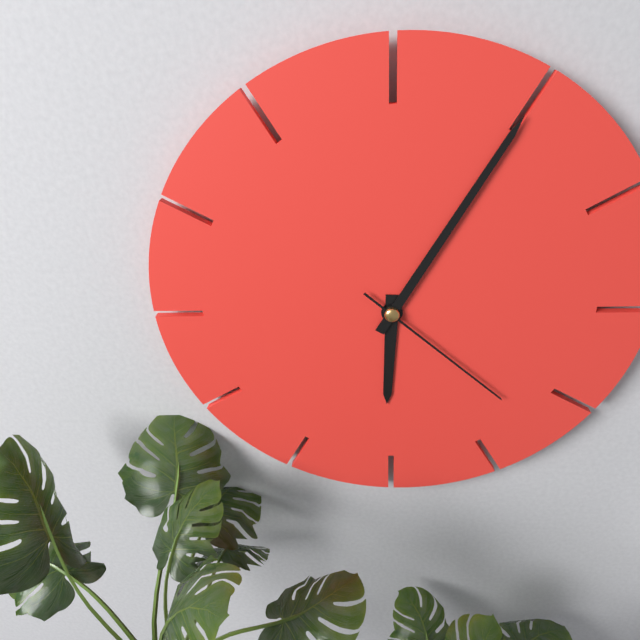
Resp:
h=6 m=5 s=22
